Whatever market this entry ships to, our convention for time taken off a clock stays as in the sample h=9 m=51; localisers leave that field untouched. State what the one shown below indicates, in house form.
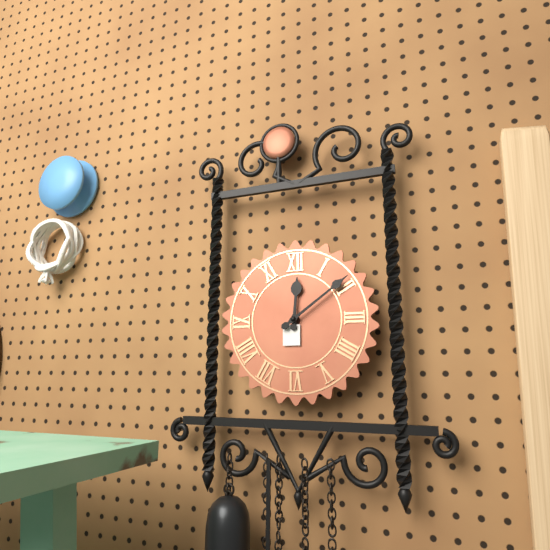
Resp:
h=12 m=9
